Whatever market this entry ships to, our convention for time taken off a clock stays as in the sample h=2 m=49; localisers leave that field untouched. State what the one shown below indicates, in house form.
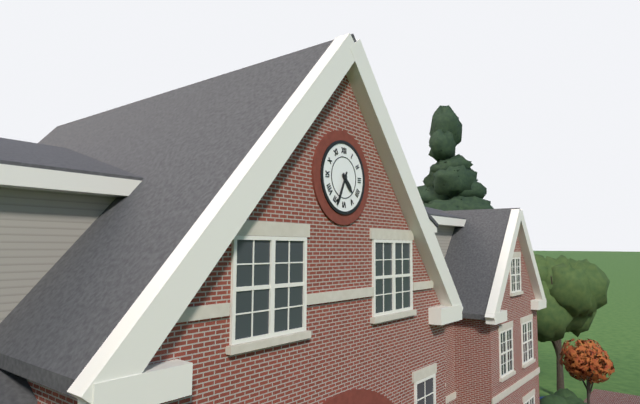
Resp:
h=4 m=34
